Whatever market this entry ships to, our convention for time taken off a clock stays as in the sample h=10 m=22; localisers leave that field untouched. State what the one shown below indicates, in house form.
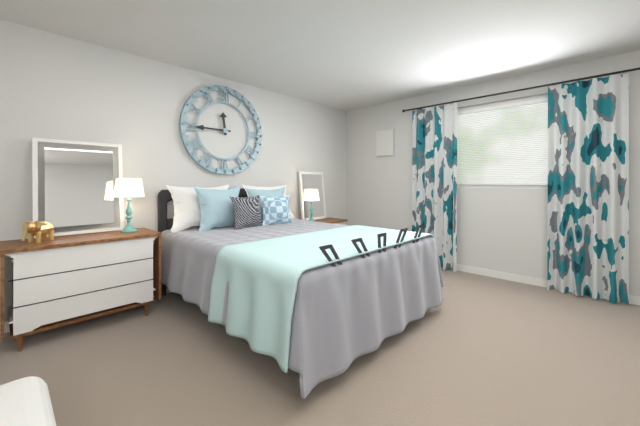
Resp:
h=11 m=45
